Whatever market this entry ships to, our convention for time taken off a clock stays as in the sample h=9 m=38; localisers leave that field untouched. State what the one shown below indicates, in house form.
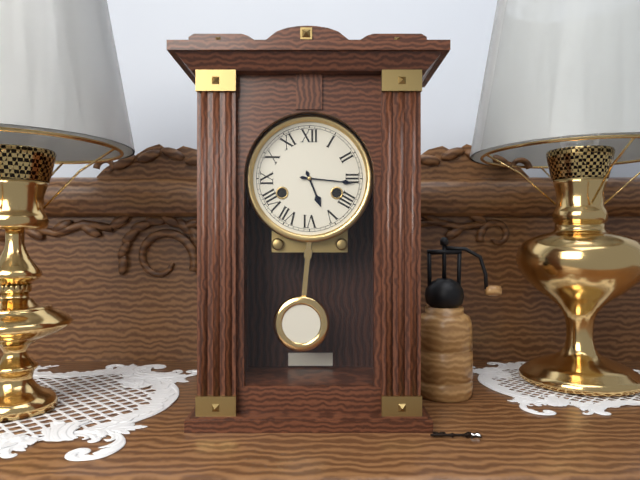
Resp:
h=5 m=16
